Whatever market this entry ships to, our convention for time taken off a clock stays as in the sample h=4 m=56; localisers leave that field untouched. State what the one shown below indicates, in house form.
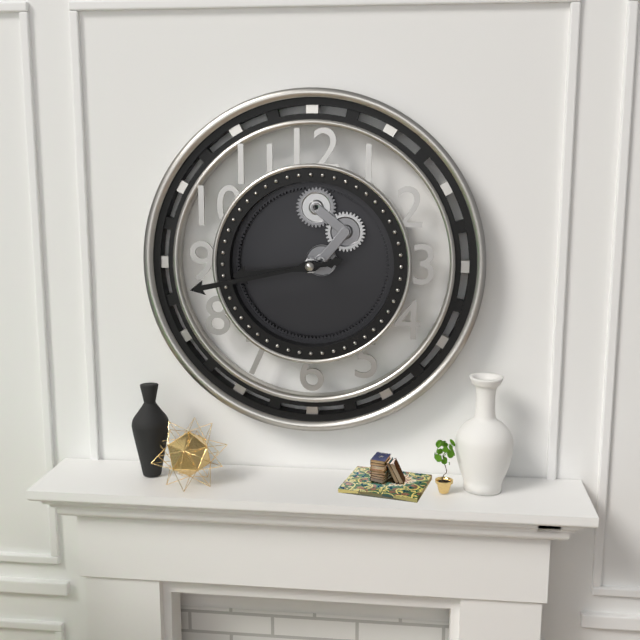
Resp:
h=8 m=43
